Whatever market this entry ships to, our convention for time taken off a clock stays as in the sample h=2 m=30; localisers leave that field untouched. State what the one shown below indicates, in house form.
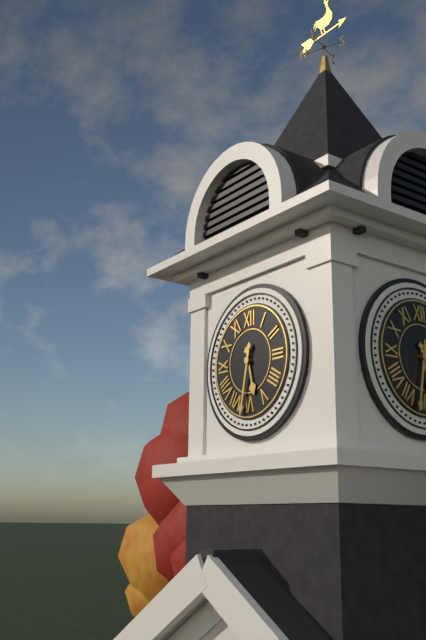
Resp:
h=5 m=32
